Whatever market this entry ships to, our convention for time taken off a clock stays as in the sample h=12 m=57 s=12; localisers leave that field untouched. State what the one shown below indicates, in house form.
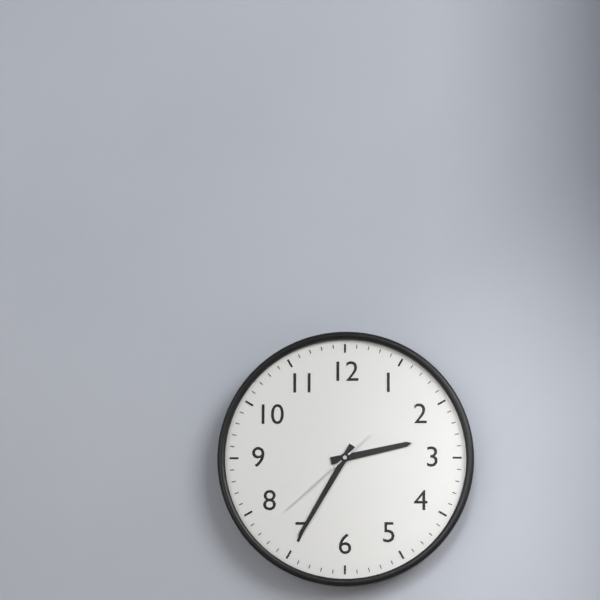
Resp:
h=2 m=35 s=38
